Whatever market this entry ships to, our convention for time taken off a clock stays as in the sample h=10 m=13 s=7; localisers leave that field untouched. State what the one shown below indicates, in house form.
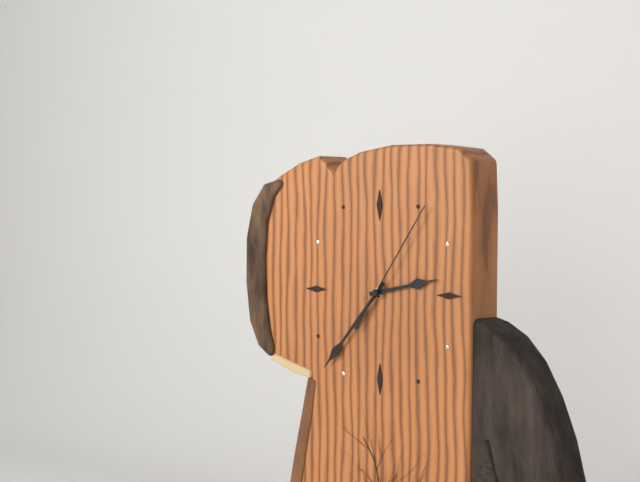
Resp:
h=2 m=37 s=6
